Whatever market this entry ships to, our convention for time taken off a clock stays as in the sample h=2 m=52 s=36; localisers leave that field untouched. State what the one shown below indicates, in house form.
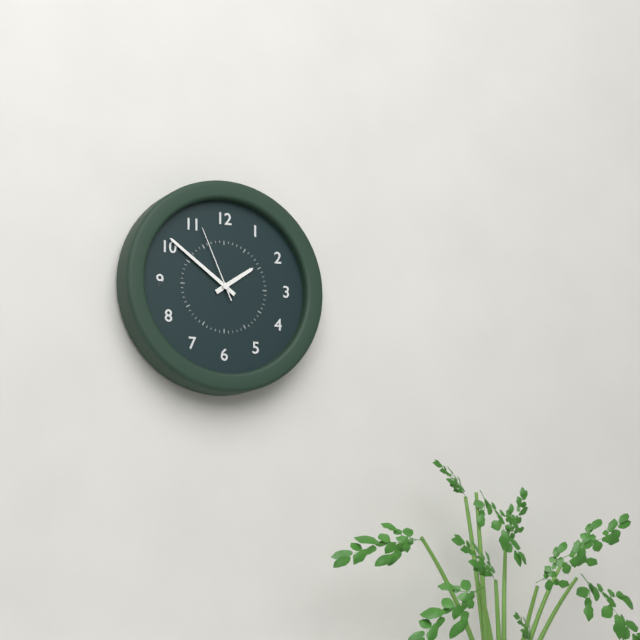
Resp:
h=1 m=51 s=56
